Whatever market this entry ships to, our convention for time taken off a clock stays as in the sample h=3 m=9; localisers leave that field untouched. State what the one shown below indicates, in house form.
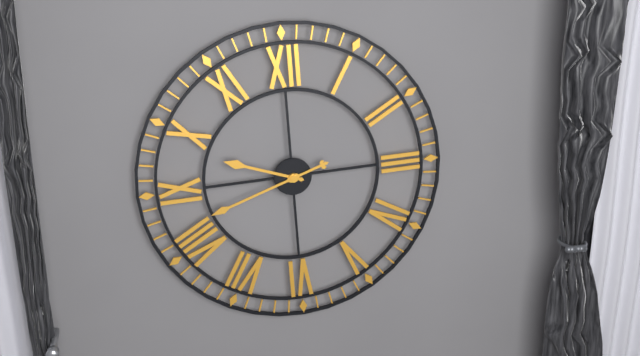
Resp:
h=9 m=42
